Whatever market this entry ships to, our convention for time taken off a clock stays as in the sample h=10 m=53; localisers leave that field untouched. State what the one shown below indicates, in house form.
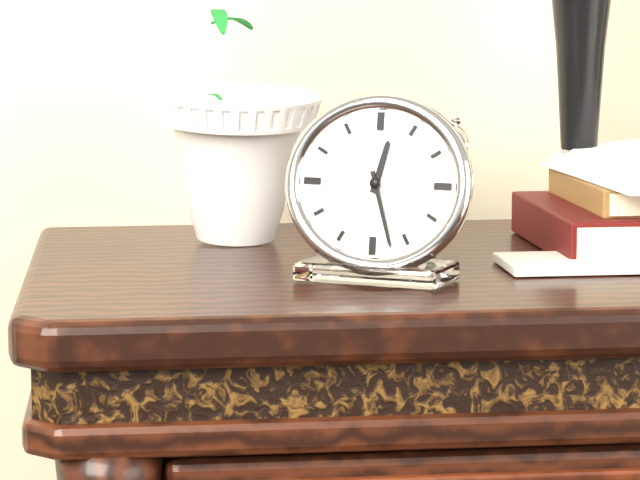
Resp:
h=12 m=27
